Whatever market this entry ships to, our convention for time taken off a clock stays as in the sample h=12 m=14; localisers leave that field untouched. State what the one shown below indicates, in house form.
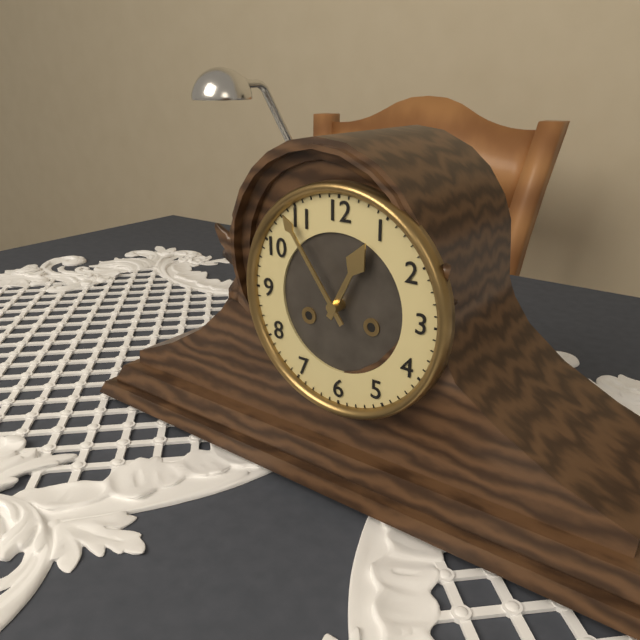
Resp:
h=12 m=54
